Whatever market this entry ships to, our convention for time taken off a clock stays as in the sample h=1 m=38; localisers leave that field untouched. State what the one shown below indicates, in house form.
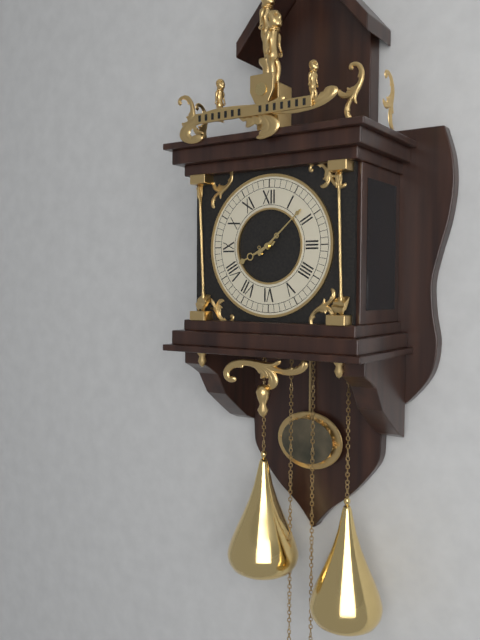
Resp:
h=8 m=8
